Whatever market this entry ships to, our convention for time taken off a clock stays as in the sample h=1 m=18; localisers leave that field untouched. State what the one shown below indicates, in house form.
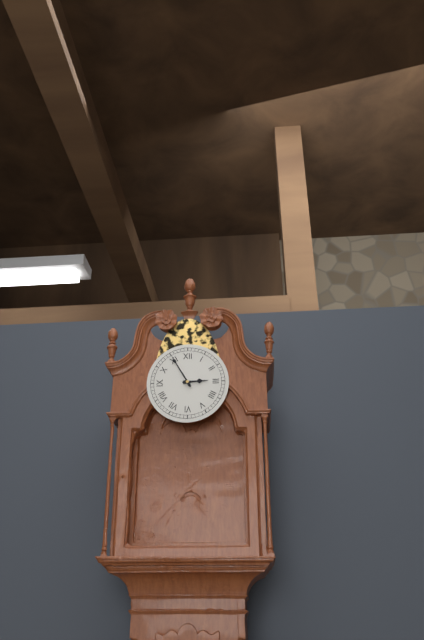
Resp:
h=2 m=55
